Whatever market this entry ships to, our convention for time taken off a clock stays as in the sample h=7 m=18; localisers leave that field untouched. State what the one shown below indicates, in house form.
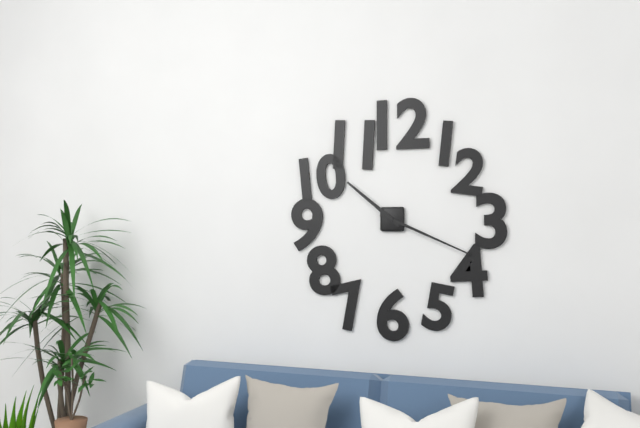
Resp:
h=10 m=19
